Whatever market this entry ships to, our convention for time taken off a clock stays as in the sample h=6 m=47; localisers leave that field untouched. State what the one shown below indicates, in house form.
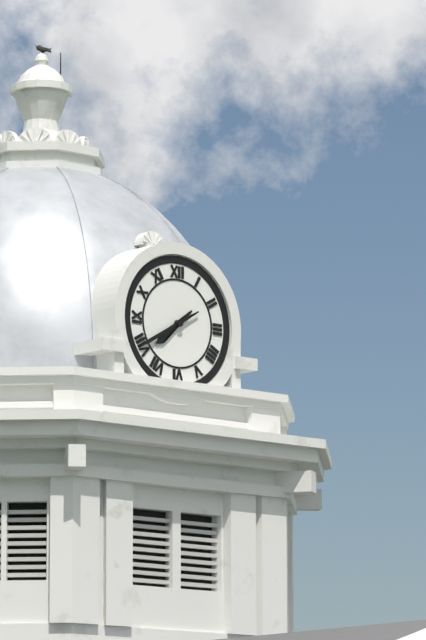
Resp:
h=7 m=40
